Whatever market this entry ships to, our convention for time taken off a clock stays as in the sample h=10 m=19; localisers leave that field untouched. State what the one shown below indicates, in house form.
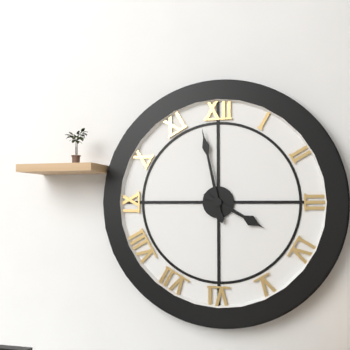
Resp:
h=3 m=58
